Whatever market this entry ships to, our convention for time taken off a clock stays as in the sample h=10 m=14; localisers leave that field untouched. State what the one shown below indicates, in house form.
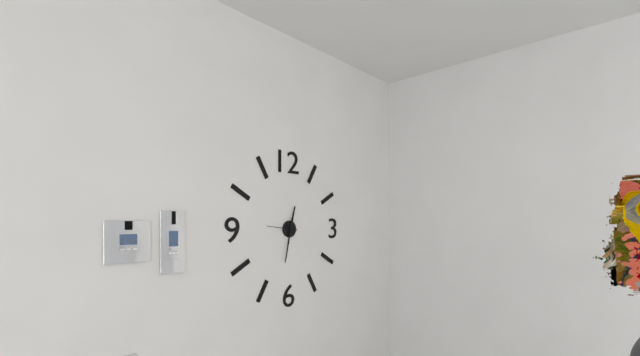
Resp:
h=12 m=32
